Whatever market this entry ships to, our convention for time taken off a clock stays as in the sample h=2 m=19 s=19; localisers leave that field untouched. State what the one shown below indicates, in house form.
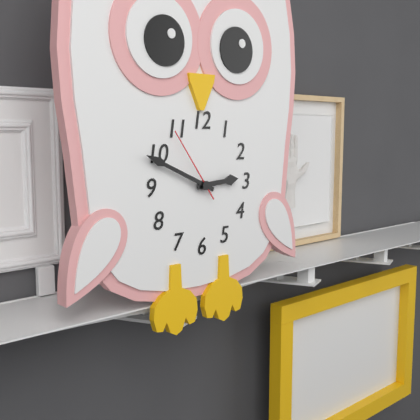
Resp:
h=2 m=49 s=54
